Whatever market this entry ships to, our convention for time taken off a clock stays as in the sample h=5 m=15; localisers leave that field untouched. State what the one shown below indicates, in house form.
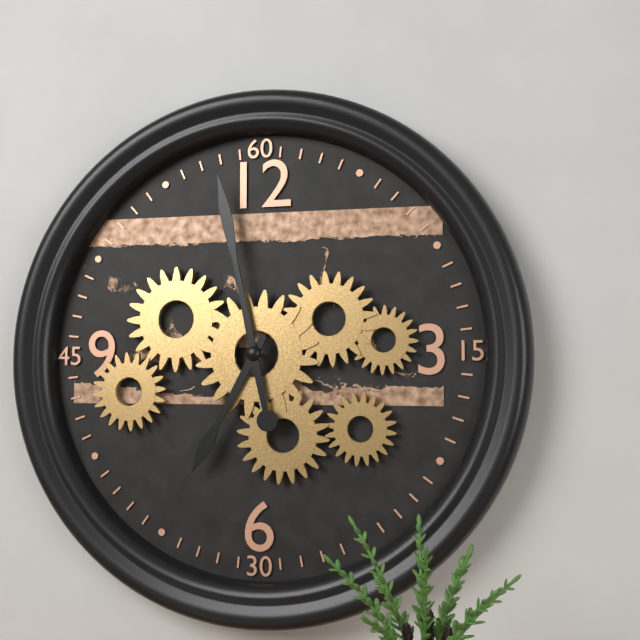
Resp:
h=6 m=58
